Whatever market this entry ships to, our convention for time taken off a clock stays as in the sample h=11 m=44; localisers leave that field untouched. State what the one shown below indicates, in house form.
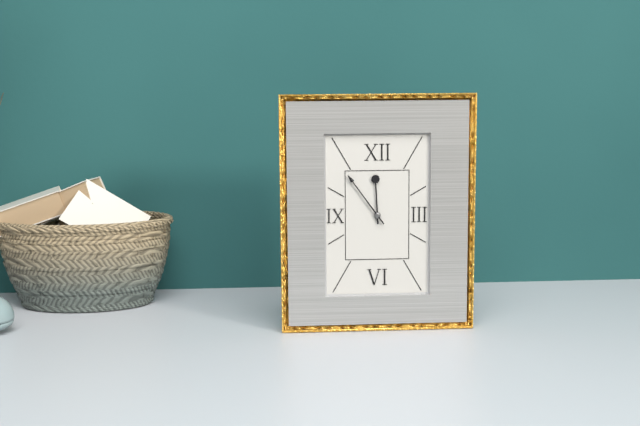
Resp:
h=11 m=54
